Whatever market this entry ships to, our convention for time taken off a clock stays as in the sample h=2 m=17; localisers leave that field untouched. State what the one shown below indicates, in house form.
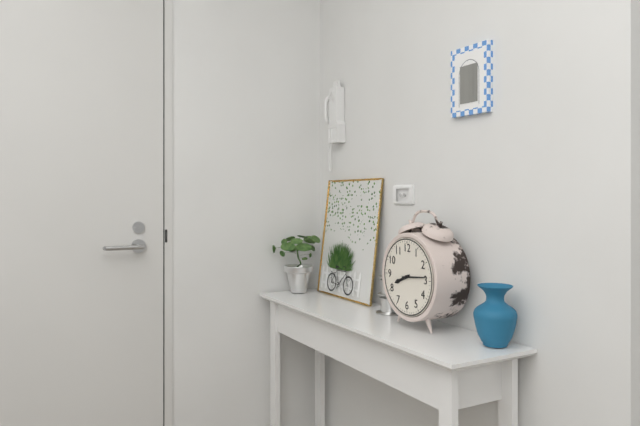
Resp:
h=8 m=14
